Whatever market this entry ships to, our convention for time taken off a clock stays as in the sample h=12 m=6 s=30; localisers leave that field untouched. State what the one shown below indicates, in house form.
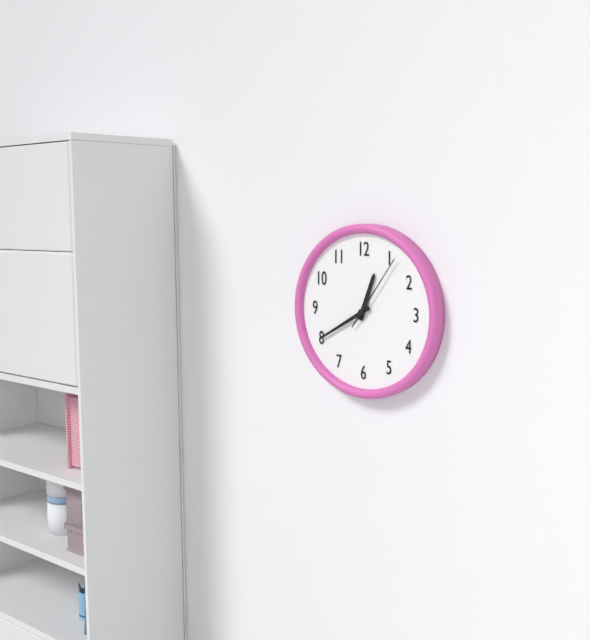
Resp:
h=12 m=40 s=6
